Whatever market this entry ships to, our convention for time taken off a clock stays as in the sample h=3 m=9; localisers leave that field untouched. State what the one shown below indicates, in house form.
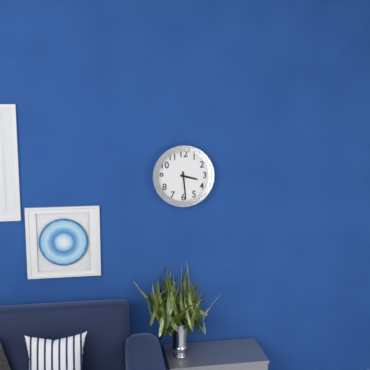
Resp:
h=3 m=29
